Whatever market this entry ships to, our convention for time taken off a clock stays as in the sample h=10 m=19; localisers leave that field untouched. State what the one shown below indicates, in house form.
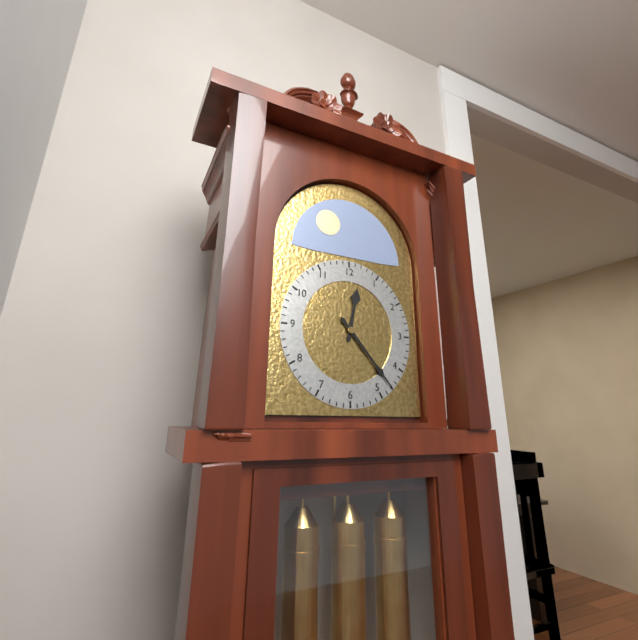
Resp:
h=12 m=23
